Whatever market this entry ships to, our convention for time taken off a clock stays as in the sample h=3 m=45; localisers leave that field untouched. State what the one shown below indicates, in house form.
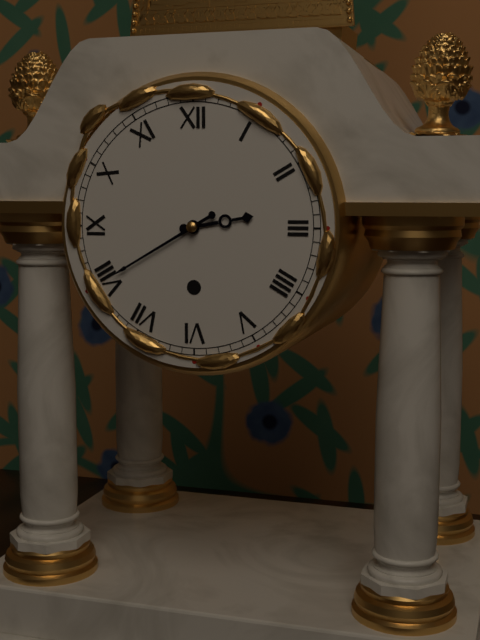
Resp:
h=2 m=40
